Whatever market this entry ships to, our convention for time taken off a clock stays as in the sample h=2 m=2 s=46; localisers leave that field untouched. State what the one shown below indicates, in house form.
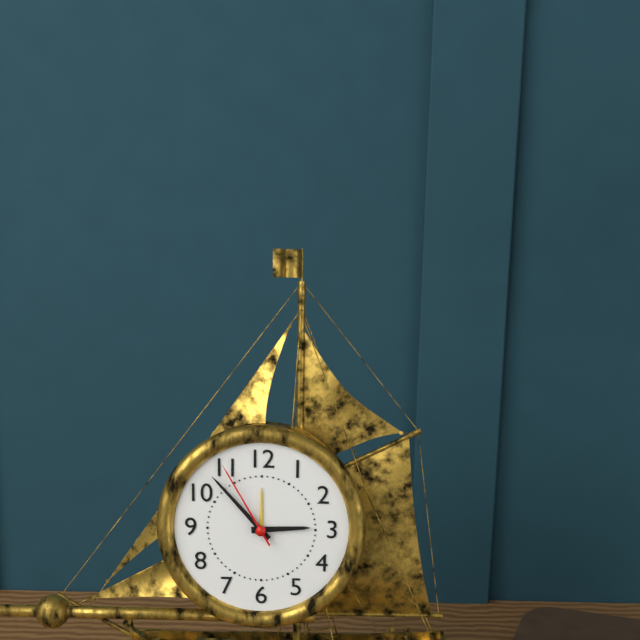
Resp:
h=2 m=53 s=55
